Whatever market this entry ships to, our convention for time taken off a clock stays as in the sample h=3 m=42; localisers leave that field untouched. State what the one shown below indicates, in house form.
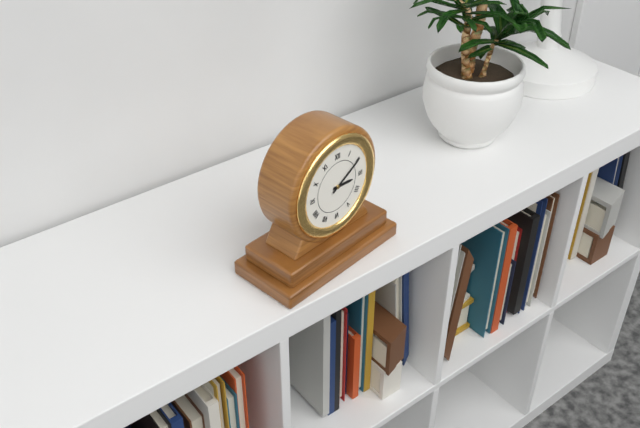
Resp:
h=3 m=10
